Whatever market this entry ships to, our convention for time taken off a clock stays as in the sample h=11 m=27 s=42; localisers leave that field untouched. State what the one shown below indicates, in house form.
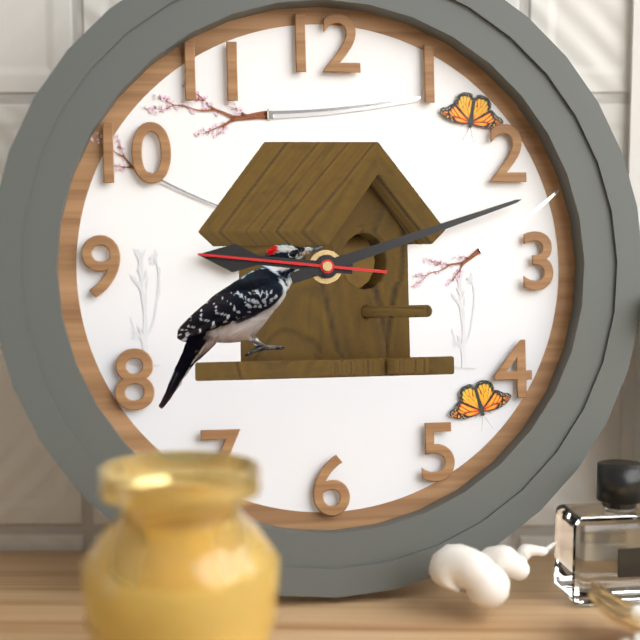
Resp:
h=9 m=12 s=46
